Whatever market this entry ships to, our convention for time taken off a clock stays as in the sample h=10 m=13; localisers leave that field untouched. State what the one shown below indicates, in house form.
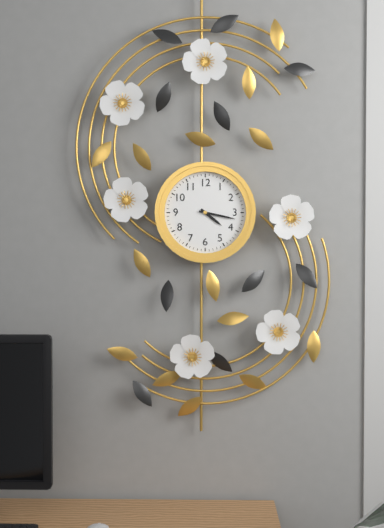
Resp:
h=4 m=17
